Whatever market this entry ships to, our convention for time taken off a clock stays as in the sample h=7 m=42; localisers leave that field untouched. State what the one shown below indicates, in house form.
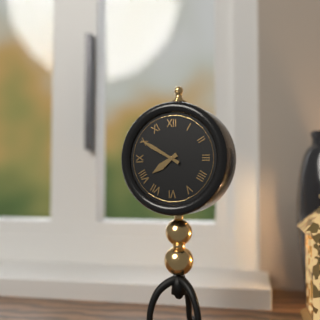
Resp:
h=7 m=50
